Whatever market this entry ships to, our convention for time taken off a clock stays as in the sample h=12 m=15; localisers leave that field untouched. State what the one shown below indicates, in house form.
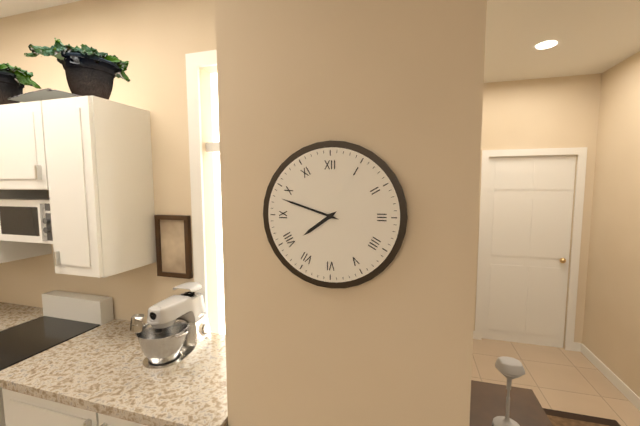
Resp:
h=7 m=48
